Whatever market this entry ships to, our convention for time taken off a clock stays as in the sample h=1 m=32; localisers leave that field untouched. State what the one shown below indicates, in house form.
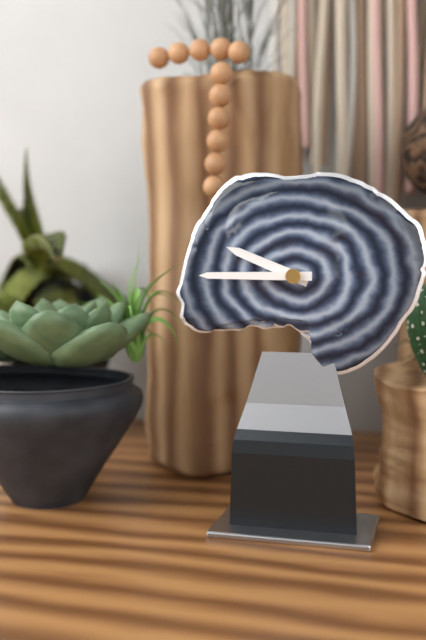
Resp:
h=9 m=45
